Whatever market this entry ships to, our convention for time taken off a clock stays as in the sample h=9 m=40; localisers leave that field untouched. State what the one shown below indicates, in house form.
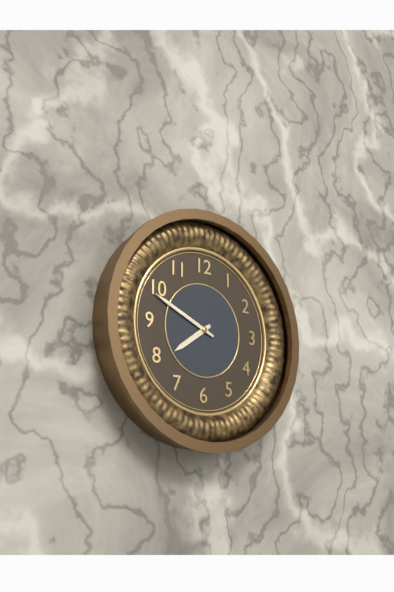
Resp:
h=7 m=49
